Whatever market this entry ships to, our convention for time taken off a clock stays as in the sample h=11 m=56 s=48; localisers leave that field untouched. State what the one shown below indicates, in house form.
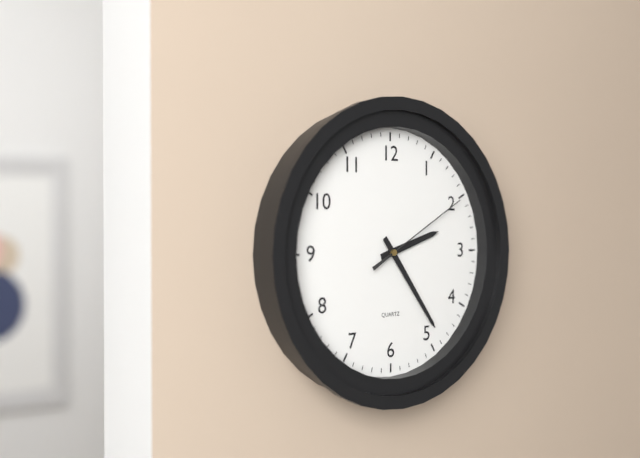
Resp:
h=2 m=24 s=10
